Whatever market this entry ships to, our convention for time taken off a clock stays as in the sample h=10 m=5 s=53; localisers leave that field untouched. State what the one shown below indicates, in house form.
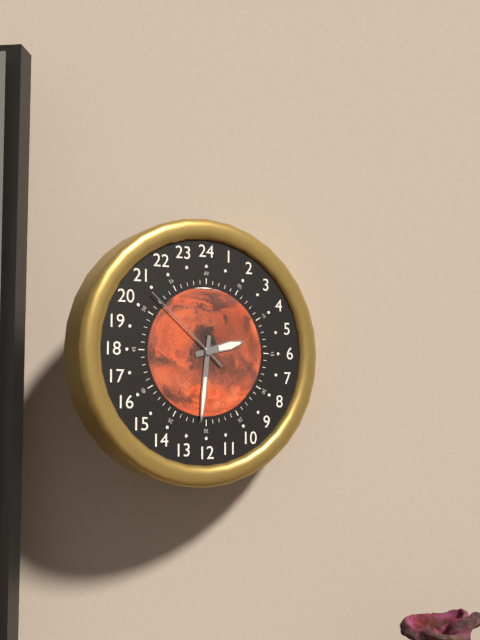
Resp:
h=2 m=31 s=52
